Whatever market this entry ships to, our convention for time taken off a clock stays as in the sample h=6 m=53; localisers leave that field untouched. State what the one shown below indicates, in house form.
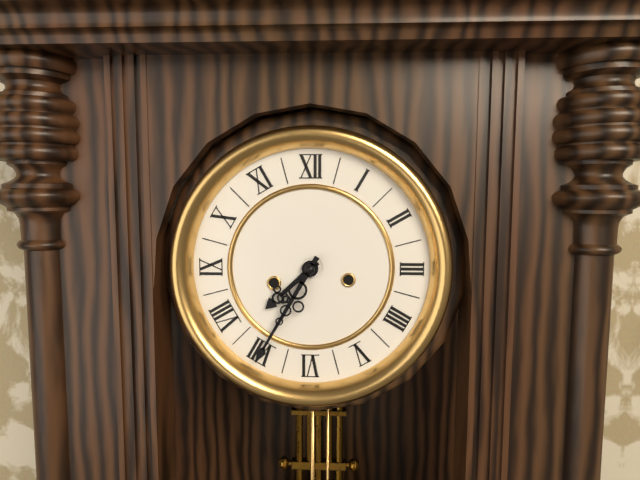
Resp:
h=7 m=35
